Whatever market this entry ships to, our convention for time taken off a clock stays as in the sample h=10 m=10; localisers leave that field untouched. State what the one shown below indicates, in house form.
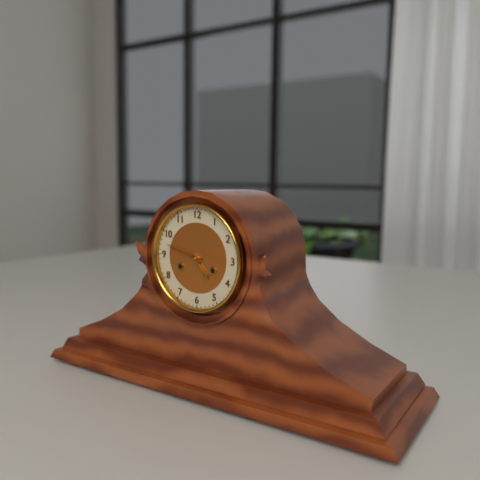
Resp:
h=4 m=48
